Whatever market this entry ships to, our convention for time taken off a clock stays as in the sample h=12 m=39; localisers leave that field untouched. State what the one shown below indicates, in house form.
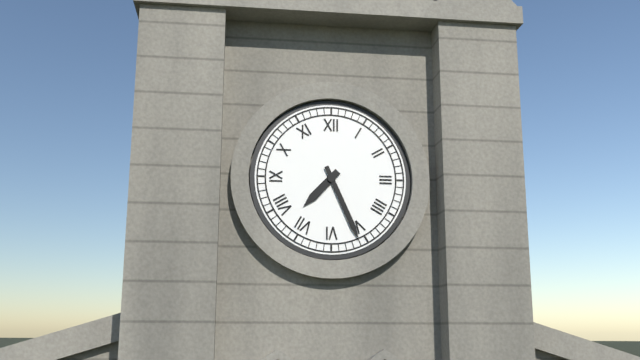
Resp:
h=7 m=26
